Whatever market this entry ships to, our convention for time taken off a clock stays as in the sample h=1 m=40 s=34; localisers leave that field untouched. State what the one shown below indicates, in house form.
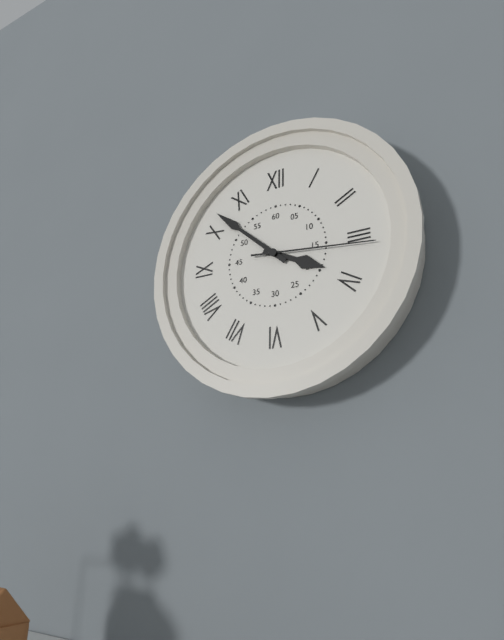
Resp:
h=3 m=52 s=16
